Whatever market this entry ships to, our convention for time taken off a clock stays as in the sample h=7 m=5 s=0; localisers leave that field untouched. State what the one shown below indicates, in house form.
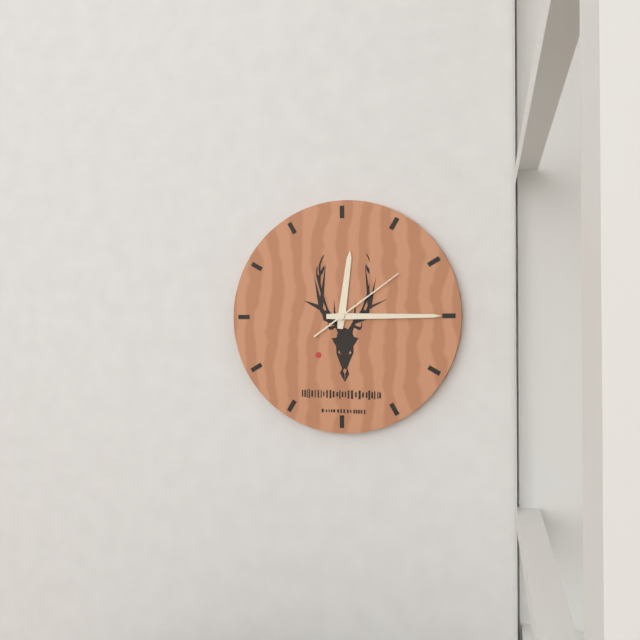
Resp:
h=12 m=15 s=9
